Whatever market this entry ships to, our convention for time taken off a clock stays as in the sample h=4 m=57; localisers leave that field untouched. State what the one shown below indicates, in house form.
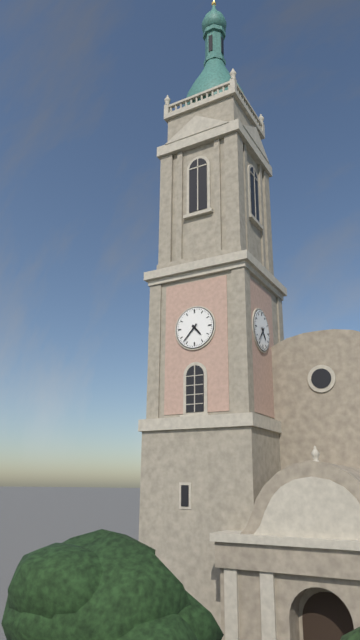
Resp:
h=4 m=37
